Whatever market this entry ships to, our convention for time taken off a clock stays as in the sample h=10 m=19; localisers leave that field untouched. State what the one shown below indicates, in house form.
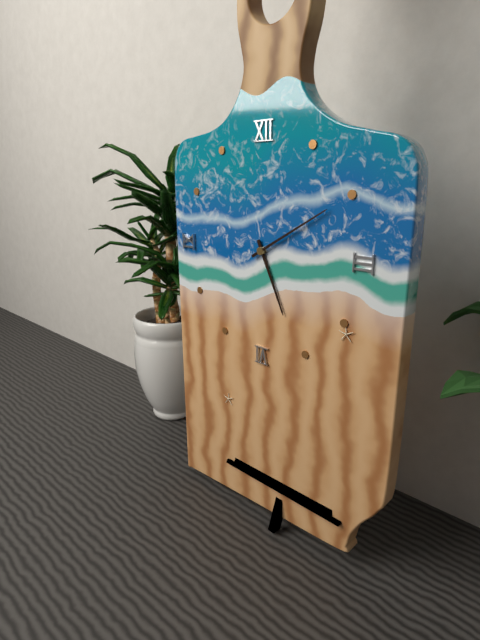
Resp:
h=5 m=10
